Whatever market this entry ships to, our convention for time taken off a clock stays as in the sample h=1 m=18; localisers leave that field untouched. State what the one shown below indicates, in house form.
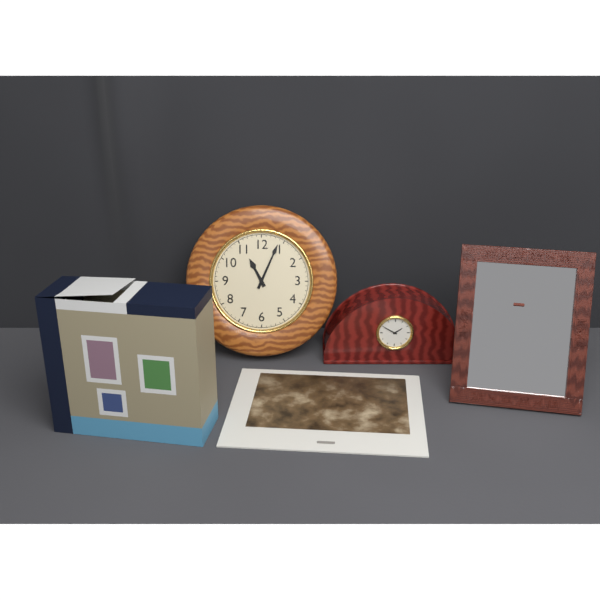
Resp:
h=11 m=4
